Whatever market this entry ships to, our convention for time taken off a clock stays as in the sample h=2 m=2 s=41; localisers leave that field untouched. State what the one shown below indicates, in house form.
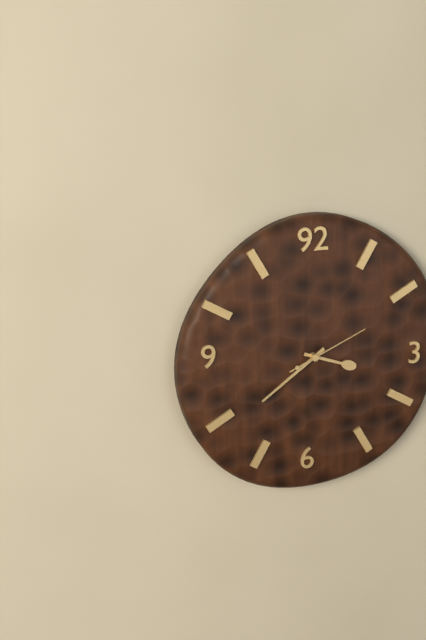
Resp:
h=3 m=39 s=11
